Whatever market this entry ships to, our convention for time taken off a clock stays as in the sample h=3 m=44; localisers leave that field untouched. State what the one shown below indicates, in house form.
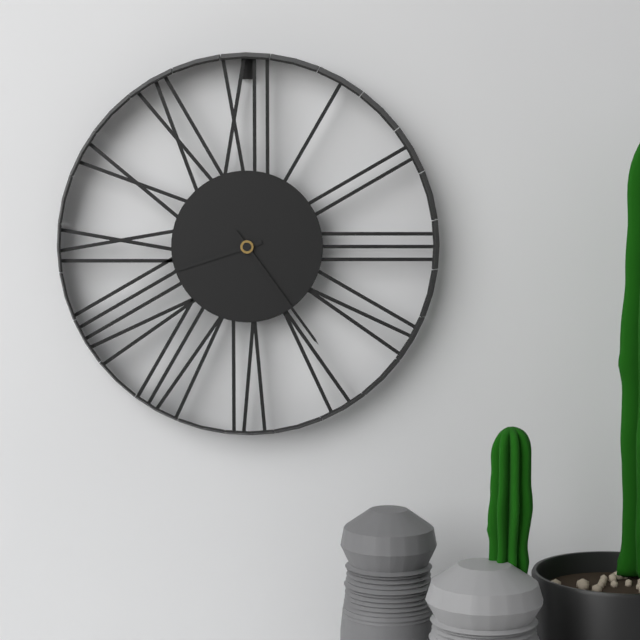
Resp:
h=8 m=24
